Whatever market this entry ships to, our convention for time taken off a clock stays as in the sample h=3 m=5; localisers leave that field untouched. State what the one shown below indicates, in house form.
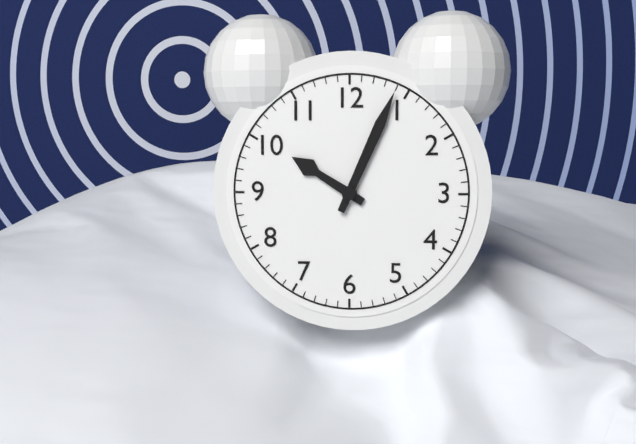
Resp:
h=10 m=4
